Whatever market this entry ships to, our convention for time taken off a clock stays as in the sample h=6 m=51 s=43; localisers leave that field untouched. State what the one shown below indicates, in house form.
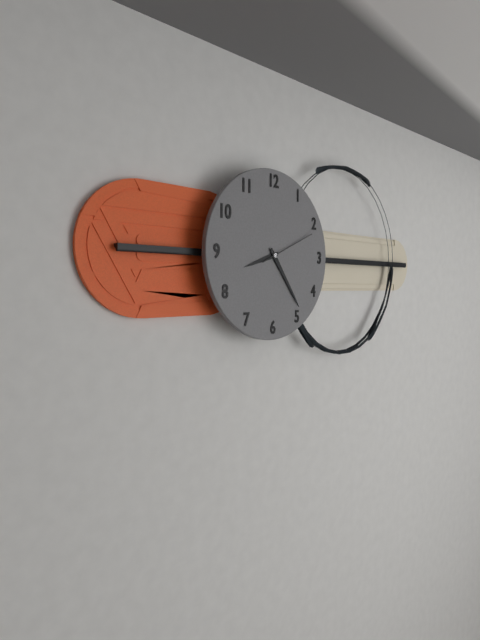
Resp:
h=8 m=24 s=11
